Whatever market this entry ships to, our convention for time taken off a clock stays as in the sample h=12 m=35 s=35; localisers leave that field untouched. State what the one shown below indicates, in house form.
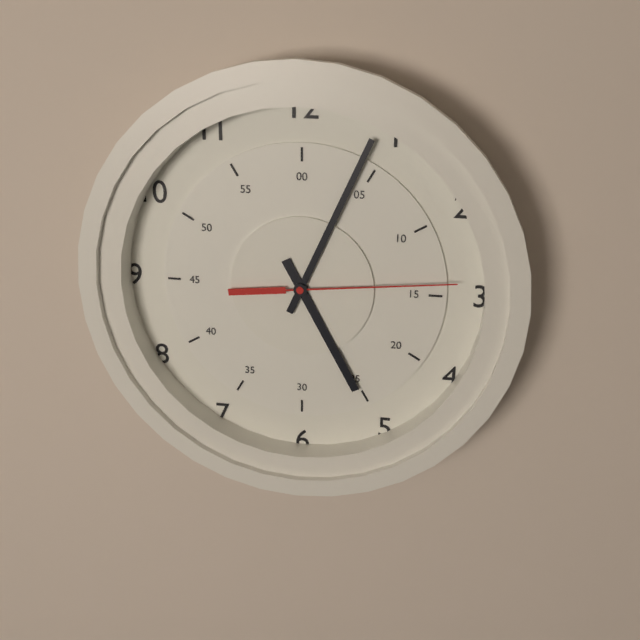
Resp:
h=5 m=4 s=14
